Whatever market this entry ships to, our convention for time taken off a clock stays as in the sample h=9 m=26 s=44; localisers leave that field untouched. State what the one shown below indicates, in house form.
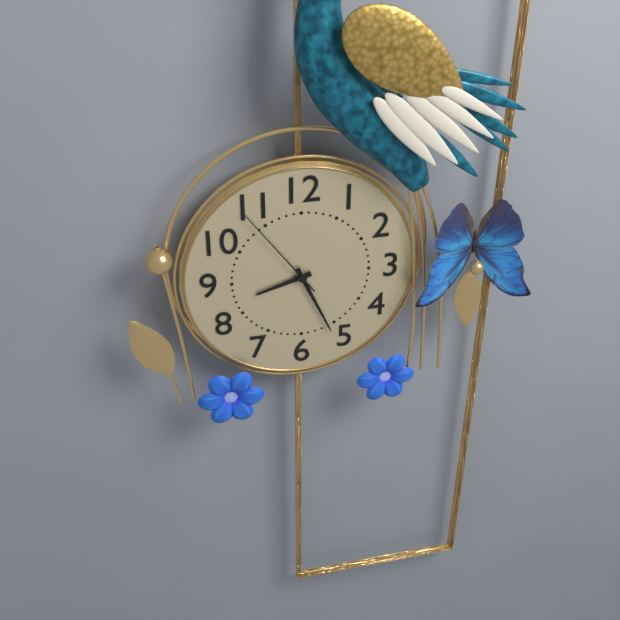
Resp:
h=8 m=26 s=54
